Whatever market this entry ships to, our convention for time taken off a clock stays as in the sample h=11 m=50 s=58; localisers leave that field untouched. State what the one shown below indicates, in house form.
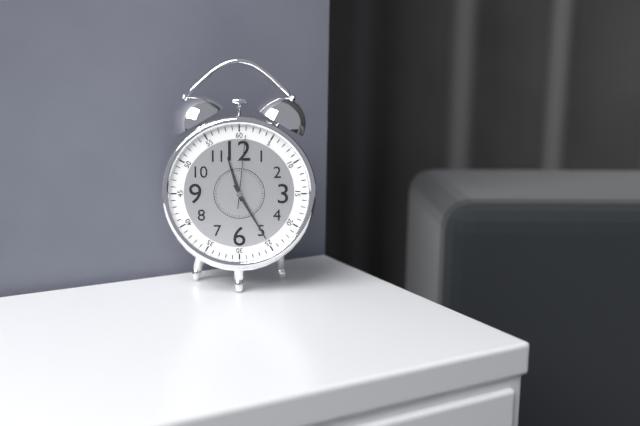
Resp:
h=11 m=25 s=1
